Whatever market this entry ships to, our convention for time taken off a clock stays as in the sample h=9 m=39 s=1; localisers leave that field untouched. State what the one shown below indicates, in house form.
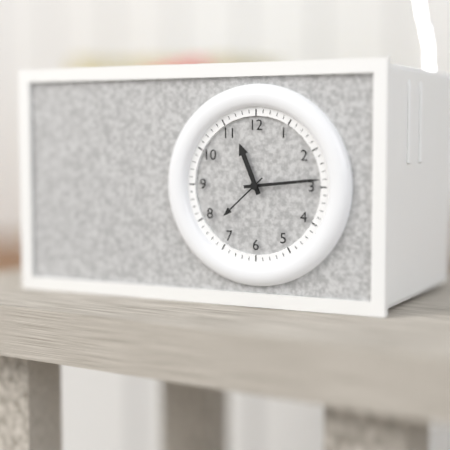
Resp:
h=11 m=14 s=38
